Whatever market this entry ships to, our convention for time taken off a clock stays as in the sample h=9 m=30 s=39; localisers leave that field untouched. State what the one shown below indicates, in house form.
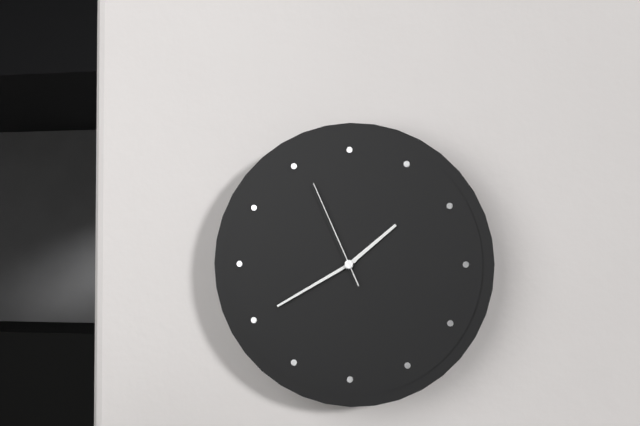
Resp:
h=1 m=40 s=56
